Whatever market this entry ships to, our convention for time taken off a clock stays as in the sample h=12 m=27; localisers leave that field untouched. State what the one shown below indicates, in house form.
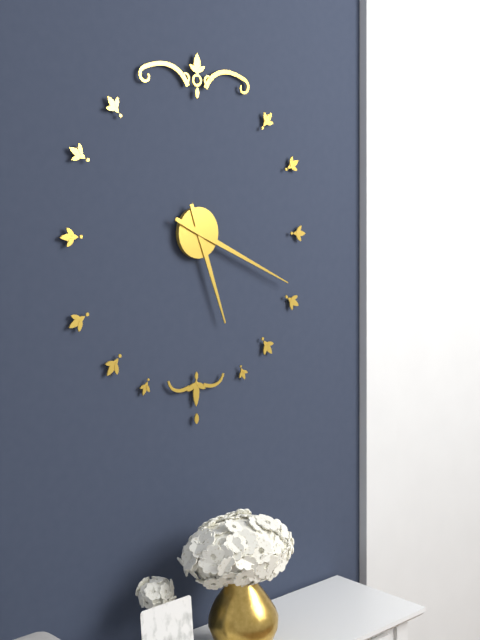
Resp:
h=5 m=19
